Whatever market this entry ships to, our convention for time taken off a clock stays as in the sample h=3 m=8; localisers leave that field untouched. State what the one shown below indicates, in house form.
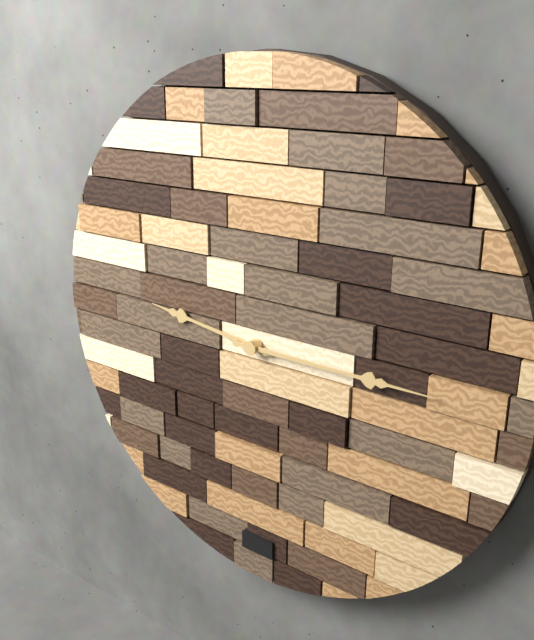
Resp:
h=9 m=15
